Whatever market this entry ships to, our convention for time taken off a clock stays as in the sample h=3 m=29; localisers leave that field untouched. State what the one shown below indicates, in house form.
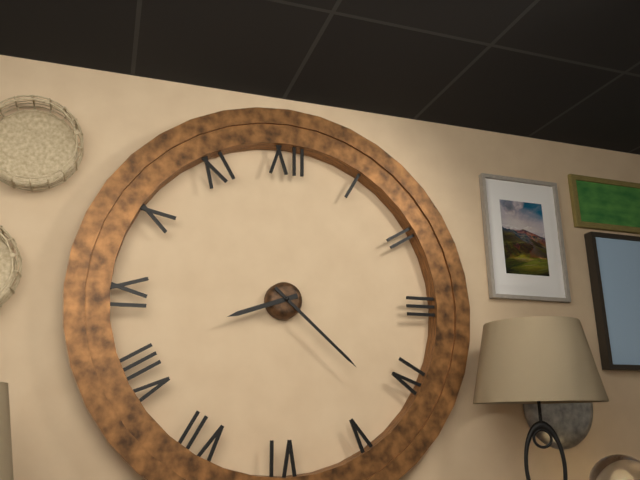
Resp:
h=8 m=22
